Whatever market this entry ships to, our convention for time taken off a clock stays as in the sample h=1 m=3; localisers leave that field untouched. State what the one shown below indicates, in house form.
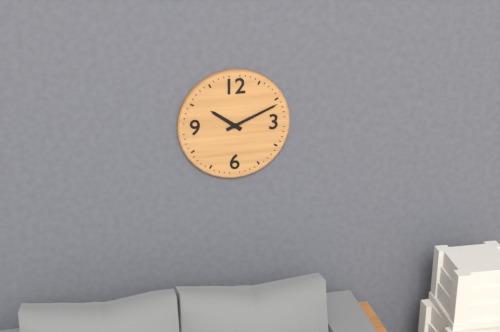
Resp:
h=10 m=11
